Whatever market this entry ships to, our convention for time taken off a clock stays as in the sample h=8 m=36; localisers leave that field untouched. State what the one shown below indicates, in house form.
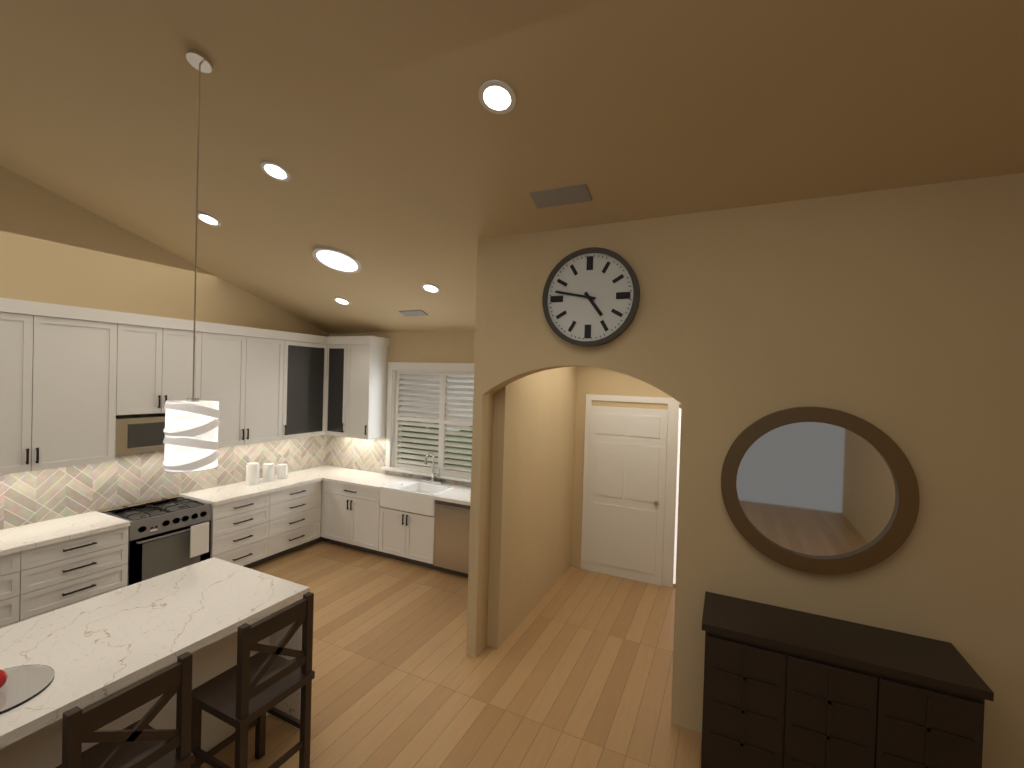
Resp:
h=4 m=47
